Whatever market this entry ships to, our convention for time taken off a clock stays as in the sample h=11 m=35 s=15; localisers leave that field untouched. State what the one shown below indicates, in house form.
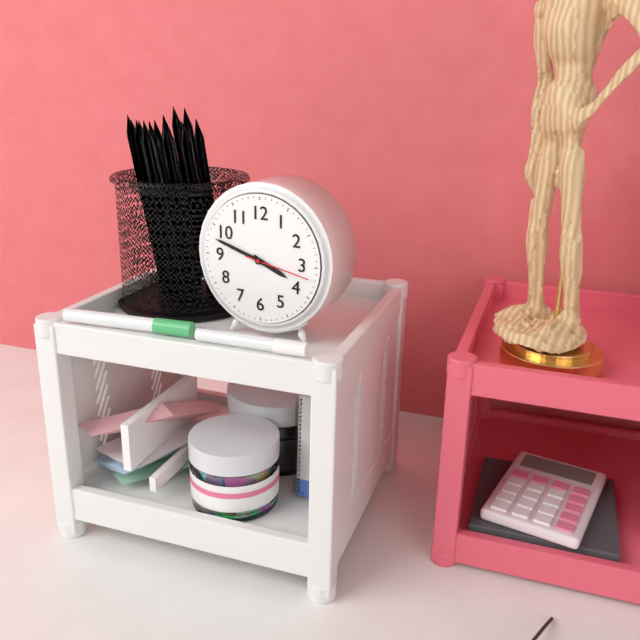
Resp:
h=3 m=48 s=17
